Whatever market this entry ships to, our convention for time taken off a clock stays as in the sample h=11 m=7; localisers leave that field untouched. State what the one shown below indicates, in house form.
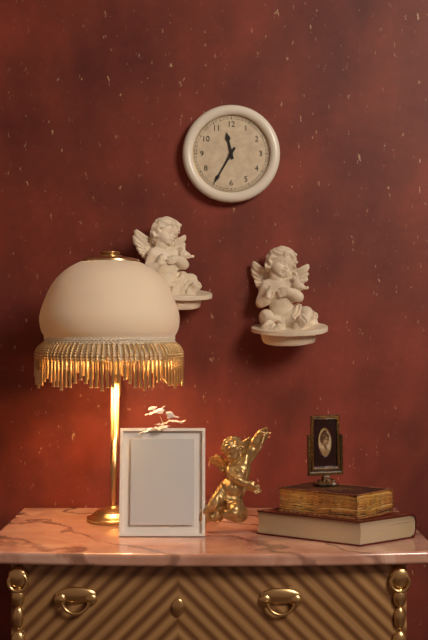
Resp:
h=11 m=35
